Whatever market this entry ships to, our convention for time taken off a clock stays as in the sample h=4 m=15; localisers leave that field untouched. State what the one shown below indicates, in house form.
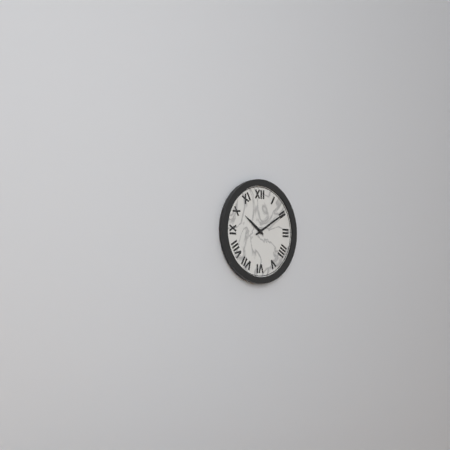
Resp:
h=10 m=10
